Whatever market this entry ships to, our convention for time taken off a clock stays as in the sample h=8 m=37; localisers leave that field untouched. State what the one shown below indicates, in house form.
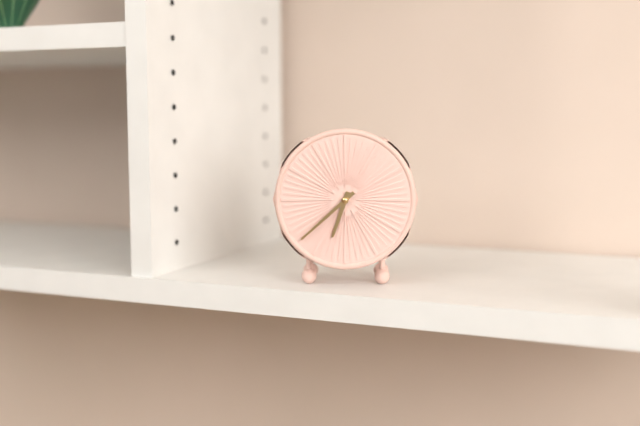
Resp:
h=6 m=38
